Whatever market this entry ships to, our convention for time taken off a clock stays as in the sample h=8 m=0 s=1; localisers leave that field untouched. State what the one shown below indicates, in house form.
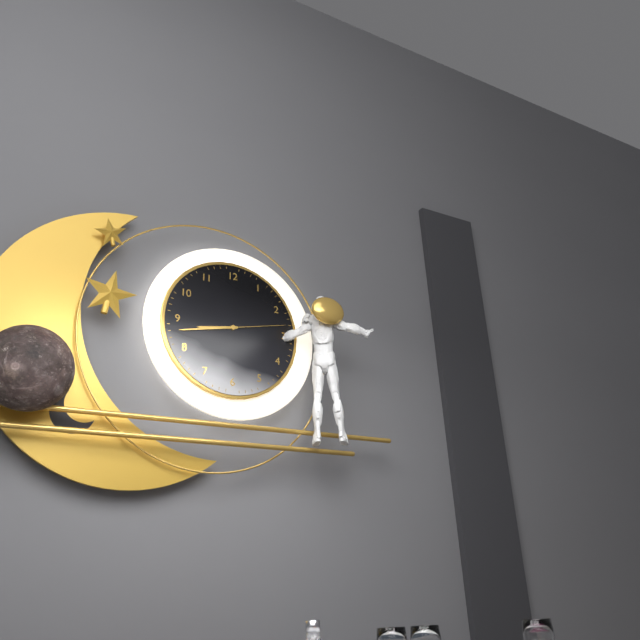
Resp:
h=8 m=43 s=13
